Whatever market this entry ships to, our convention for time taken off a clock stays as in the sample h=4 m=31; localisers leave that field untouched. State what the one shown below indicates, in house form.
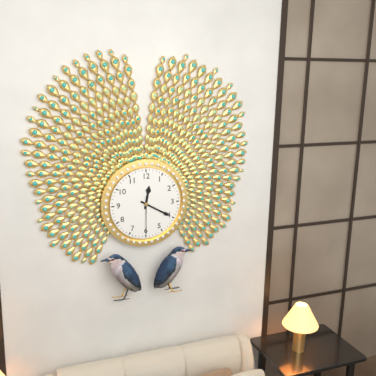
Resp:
h=12 m=20
